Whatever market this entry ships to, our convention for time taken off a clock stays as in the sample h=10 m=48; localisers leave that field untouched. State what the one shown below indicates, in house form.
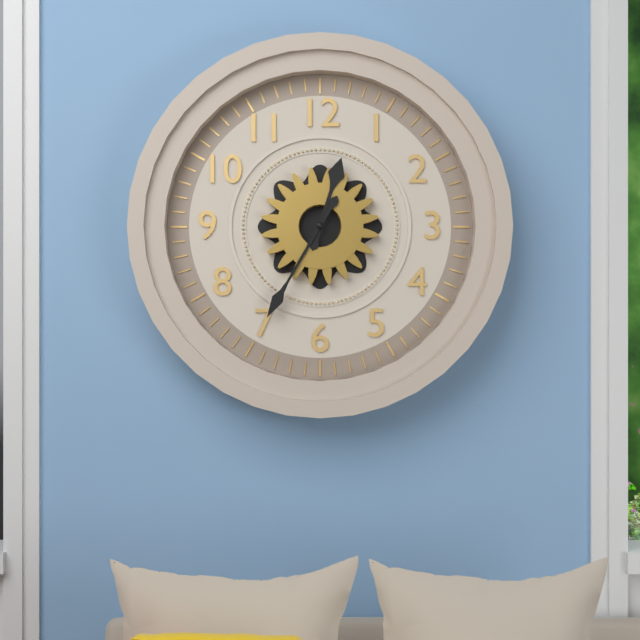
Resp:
h=12 m=35
